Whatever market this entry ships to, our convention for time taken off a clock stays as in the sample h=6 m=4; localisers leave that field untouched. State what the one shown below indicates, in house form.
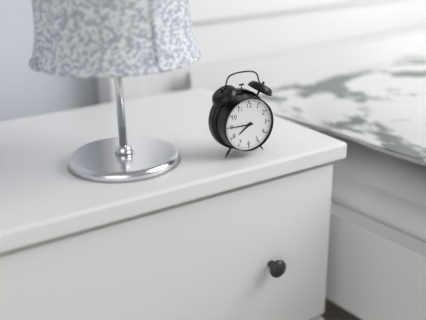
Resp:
h=7 m=45
